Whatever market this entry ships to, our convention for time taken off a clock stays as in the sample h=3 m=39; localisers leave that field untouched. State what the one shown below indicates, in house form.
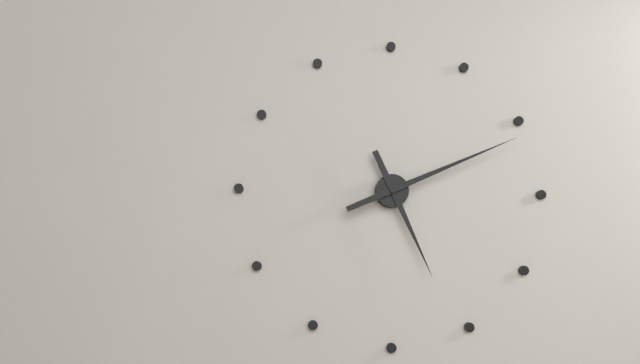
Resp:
h=5 m=11
